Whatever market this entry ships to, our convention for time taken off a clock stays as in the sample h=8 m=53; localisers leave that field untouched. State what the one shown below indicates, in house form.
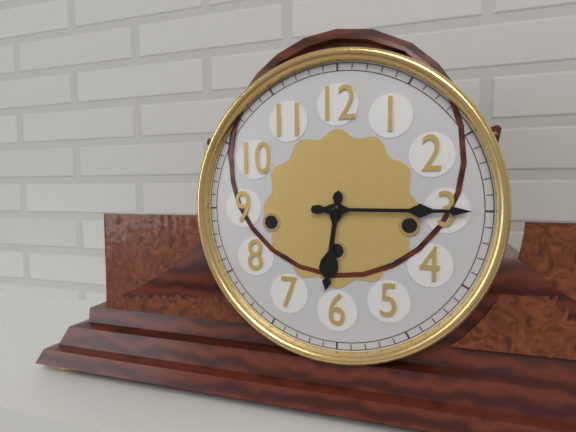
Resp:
h=6 m=15
